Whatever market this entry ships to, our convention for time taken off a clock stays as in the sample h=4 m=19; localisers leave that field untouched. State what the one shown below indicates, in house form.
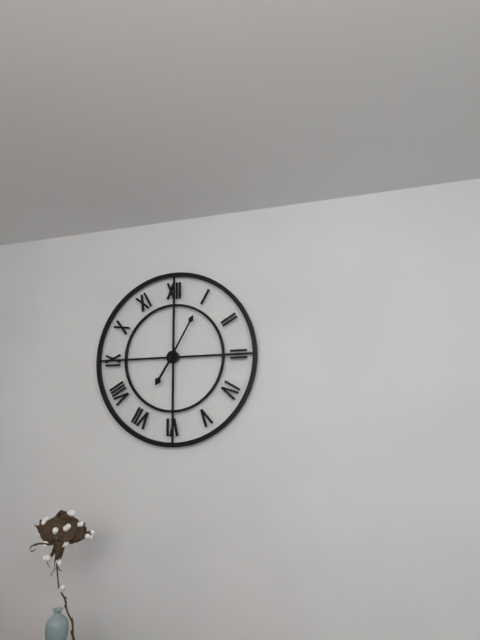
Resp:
h=7 m=5
